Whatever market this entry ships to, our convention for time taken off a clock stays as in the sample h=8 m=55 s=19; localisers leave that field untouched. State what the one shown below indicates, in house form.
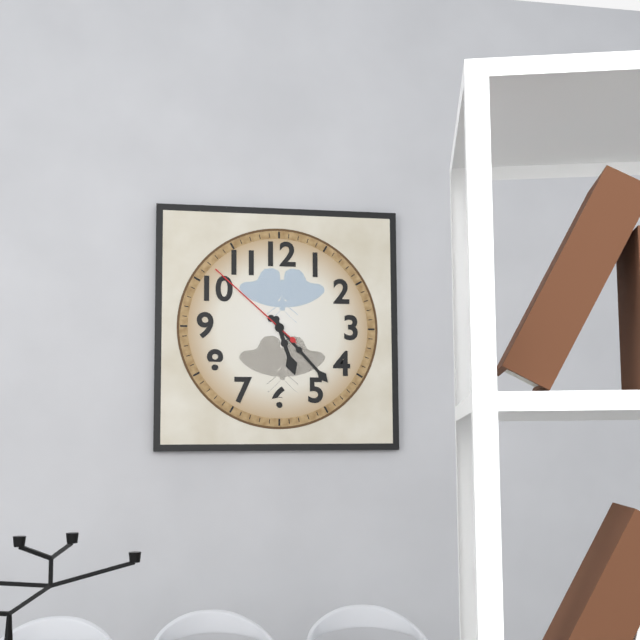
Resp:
h=5 m=23 s=52
